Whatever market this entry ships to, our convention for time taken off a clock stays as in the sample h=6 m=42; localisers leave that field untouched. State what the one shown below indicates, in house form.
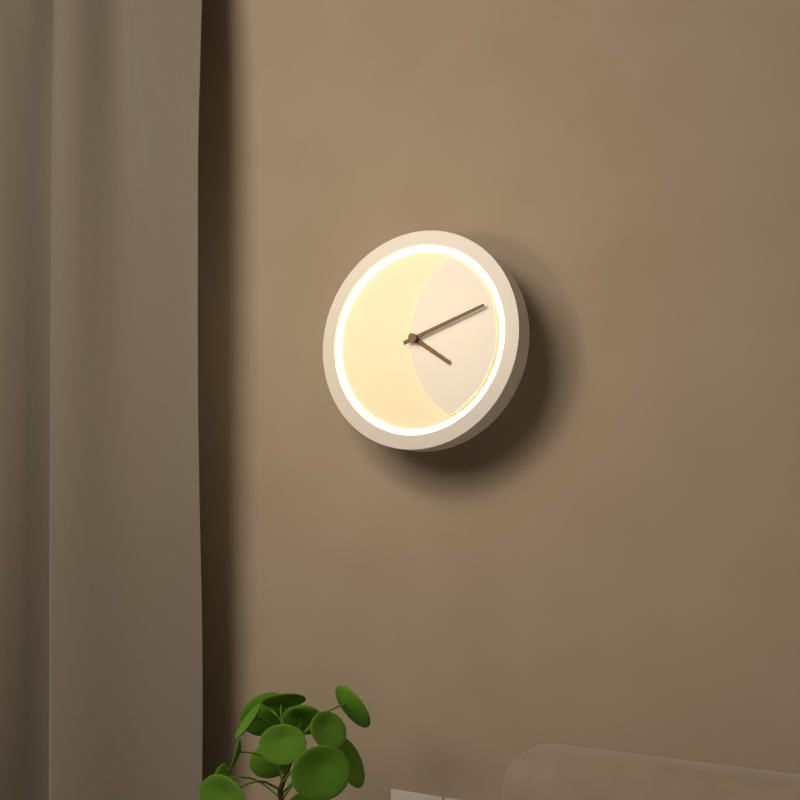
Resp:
h=4 m=12
